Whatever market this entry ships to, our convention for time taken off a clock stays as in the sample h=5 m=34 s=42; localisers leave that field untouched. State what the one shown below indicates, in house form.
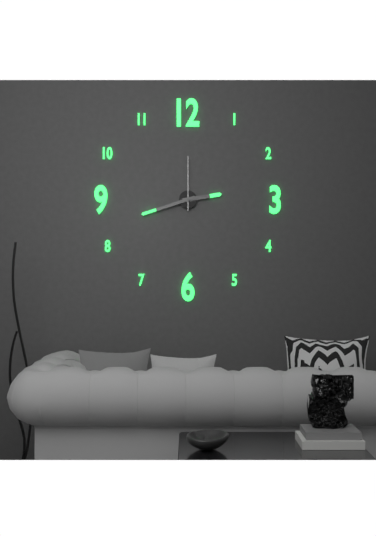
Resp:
h=2 m=42 s=0
